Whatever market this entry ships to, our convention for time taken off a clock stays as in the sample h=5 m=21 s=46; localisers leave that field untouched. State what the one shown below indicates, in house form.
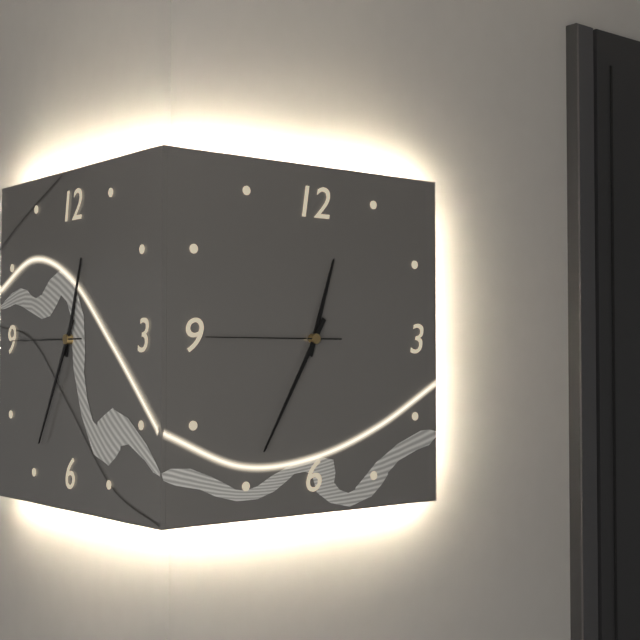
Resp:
h=12 m=35 s=45
